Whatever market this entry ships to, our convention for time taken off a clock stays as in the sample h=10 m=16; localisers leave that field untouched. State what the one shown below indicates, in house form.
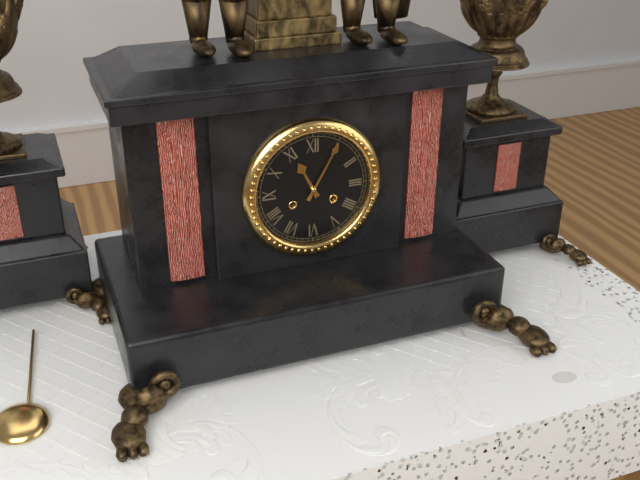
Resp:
h=11 m=5
